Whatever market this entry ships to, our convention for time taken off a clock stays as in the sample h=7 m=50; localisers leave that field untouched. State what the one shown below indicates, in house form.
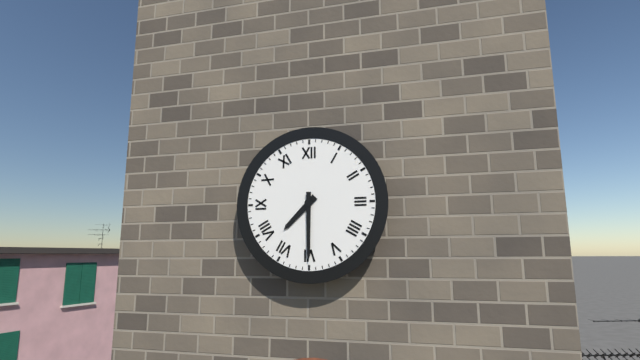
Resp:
h=7 m=30
